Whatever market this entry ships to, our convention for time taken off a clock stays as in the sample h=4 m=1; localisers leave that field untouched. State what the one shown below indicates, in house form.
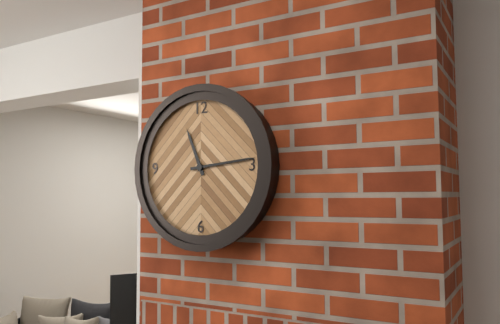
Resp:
h=11 m=14
